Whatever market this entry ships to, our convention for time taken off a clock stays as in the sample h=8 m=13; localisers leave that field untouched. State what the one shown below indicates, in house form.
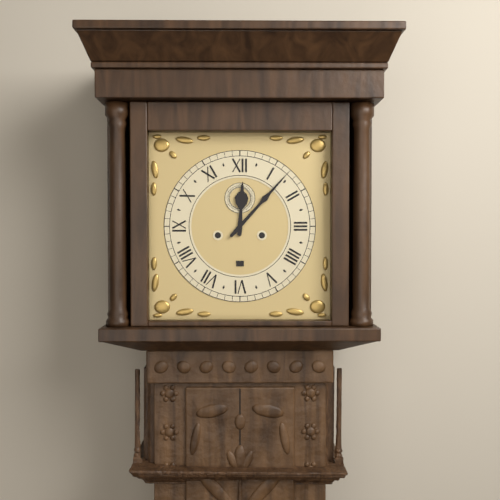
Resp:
h=12 m=7
